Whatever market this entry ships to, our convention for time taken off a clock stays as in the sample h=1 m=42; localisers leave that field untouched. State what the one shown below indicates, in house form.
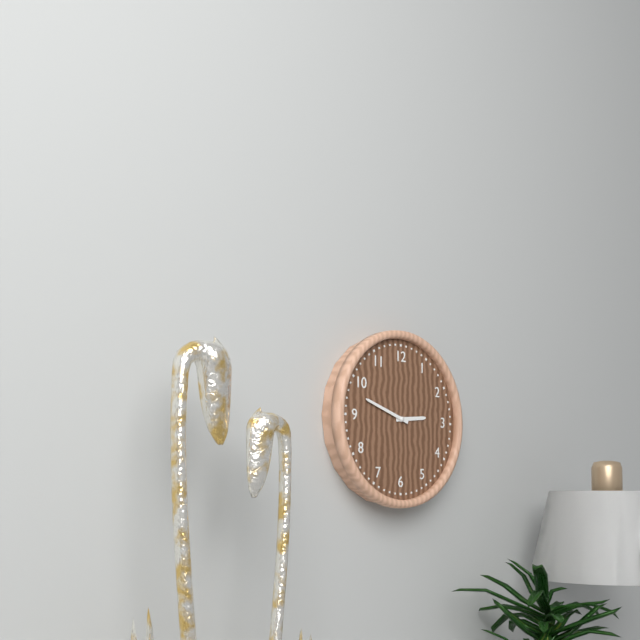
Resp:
h=2 m=48
